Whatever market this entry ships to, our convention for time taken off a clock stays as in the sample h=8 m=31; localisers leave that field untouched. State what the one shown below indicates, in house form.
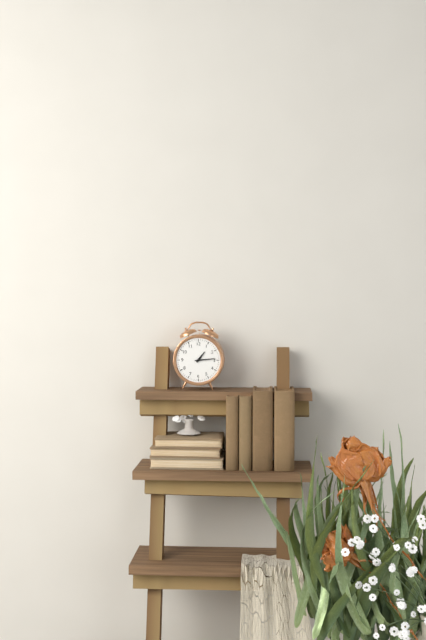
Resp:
h=1 m=14
